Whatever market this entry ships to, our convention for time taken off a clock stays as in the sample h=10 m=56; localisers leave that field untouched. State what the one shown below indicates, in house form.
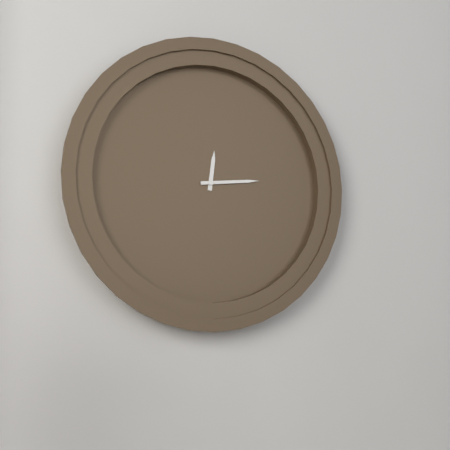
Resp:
h=12 m=14
